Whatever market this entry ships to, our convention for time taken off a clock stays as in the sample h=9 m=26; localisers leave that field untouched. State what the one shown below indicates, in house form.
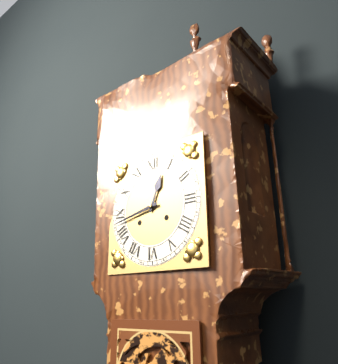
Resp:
h=12 m=43
